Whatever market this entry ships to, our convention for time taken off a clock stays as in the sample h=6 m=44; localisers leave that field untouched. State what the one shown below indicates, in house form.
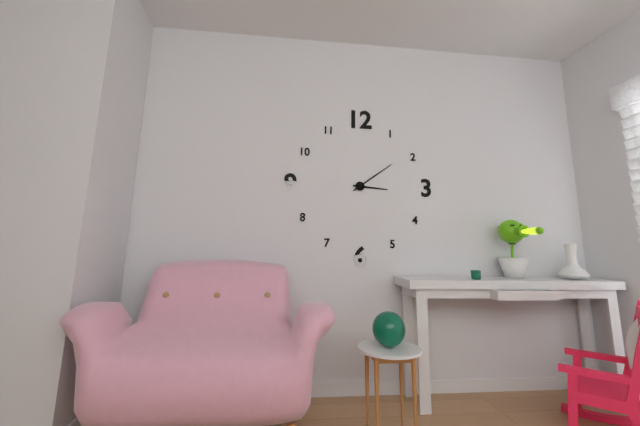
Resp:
h=3 m=9
